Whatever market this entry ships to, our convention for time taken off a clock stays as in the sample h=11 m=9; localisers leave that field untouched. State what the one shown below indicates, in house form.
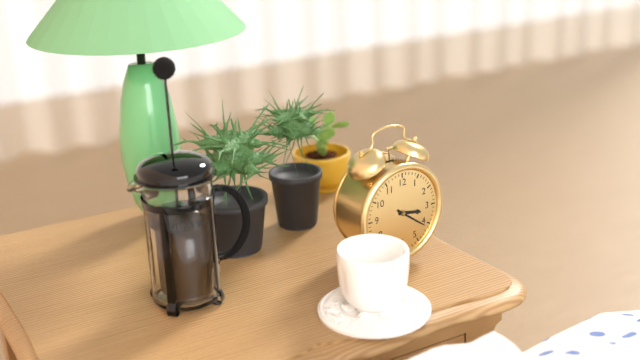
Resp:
h=3 m=21
